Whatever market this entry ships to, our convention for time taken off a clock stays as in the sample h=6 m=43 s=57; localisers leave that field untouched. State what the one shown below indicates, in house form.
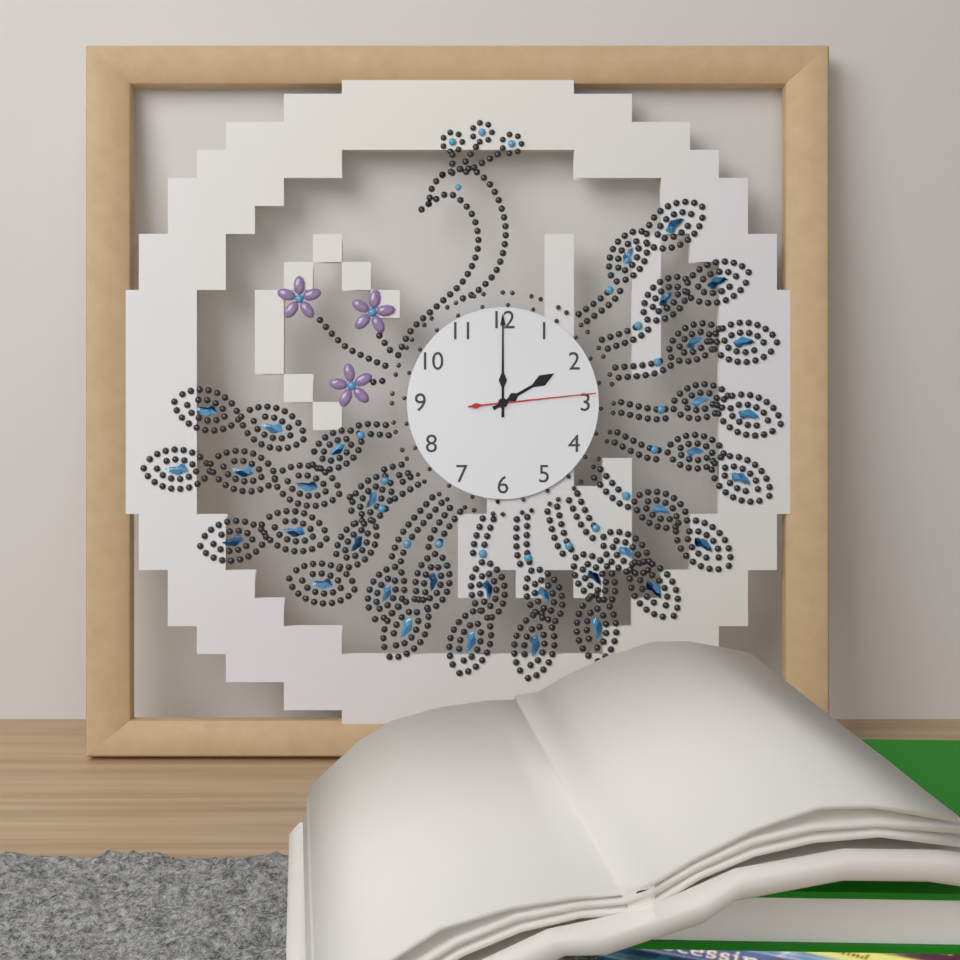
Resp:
h=2 m=0 s=14
